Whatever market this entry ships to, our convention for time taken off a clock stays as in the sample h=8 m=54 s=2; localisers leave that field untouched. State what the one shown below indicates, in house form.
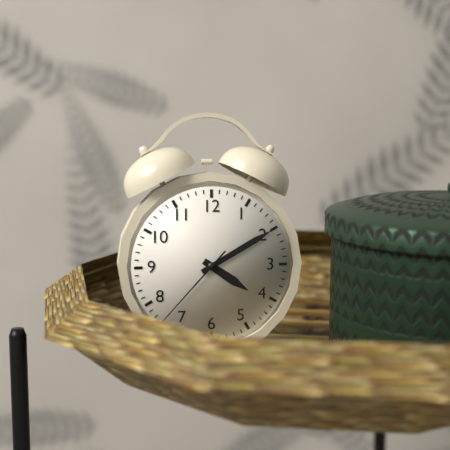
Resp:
h=4 m=10 s=37
